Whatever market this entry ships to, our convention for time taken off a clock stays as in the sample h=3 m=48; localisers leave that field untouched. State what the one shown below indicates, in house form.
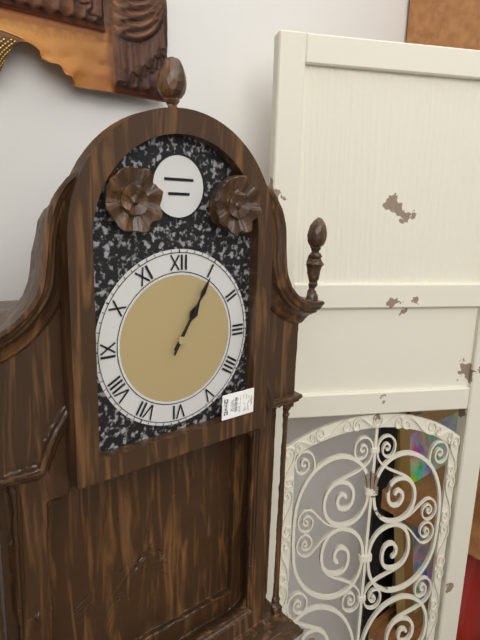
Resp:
h=1 m=5
